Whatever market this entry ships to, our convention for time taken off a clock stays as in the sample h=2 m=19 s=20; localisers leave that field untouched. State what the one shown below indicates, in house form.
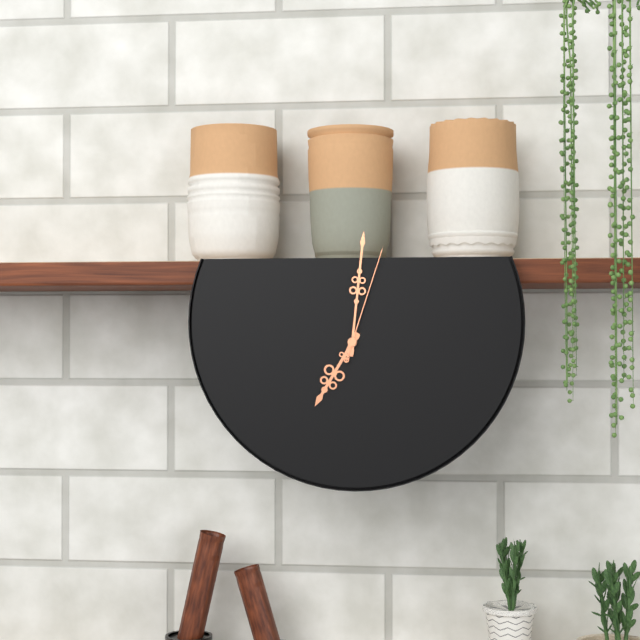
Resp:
h=7 m=1 s=3
